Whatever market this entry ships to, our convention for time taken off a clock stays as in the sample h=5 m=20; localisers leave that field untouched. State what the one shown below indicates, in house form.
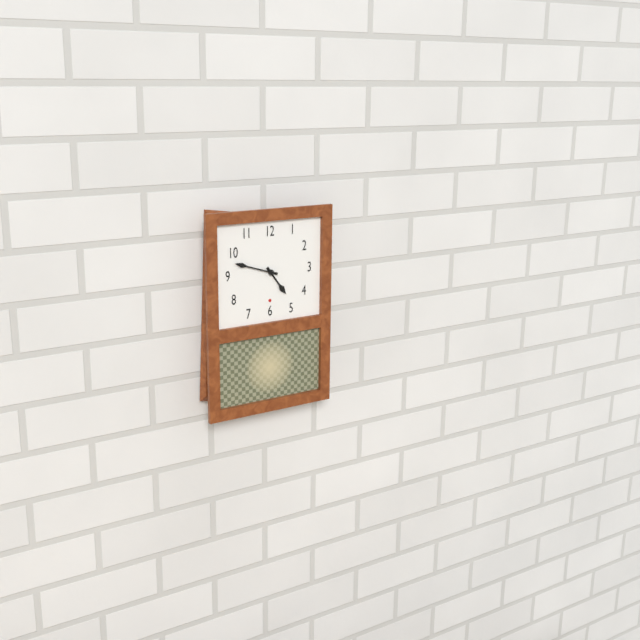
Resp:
h=4 m=48
